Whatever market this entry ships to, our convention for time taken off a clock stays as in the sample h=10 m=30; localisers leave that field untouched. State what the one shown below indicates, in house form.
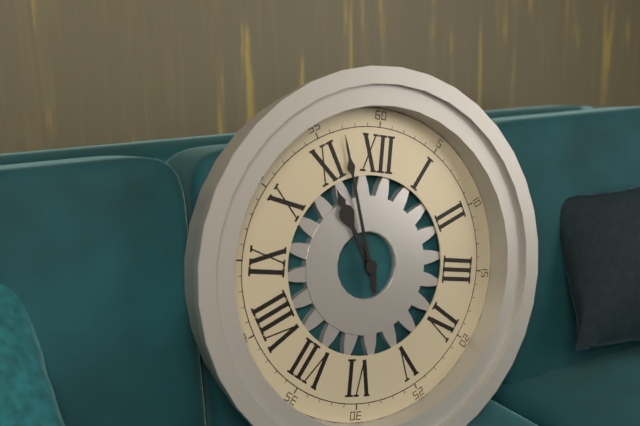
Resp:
h=10 m=57
